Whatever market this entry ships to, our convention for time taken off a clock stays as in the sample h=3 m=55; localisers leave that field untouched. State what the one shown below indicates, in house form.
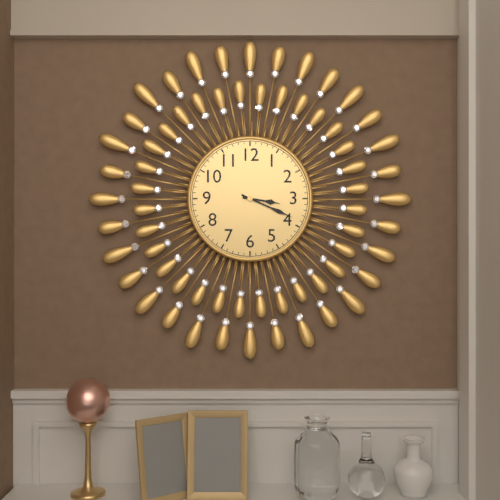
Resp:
h=3 m=19
